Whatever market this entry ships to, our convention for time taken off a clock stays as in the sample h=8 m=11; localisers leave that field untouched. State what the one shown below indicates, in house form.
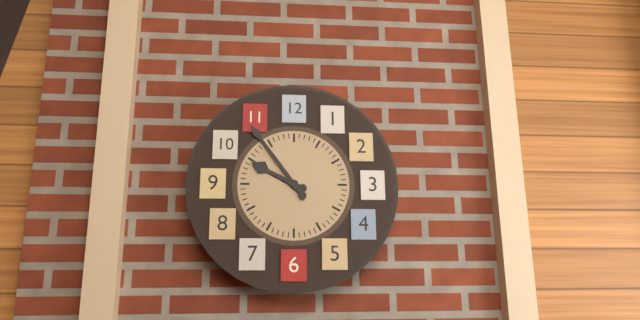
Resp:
h=9 m=54
